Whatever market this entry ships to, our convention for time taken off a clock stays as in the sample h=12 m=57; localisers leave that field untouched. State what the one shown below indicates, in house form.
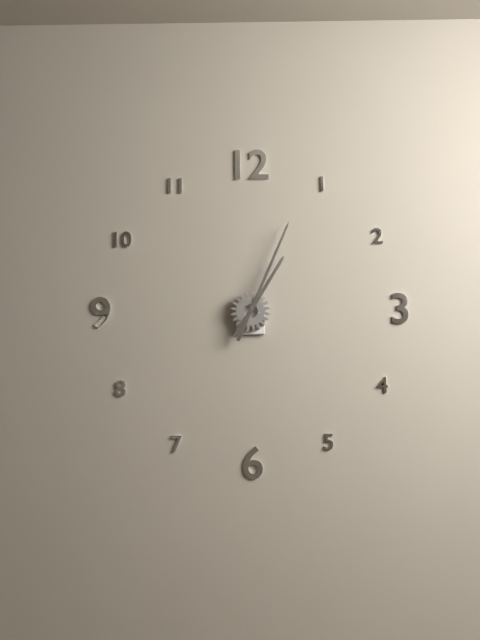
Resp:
h=1 m=4
